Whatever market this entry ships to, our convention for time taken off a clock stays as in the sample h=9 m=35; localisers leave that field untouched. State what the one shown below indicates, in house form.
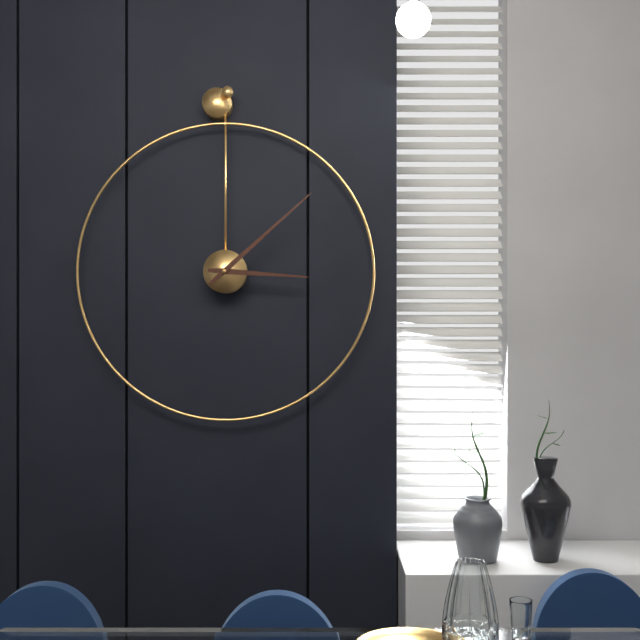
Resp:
h=3 m=8
